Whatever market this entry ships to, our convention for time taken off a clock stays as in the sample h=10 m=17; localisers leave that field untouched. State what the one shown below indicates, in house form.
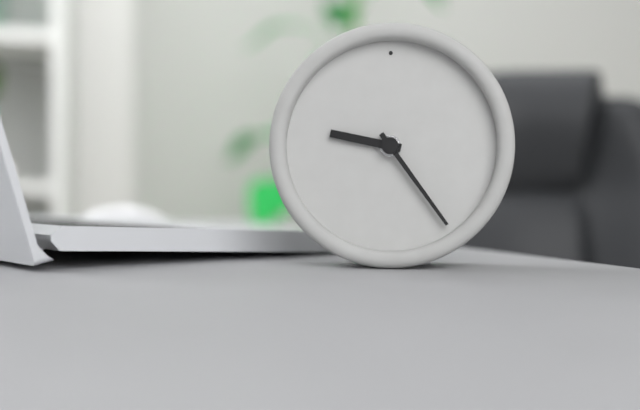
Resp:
h=9 m=24
